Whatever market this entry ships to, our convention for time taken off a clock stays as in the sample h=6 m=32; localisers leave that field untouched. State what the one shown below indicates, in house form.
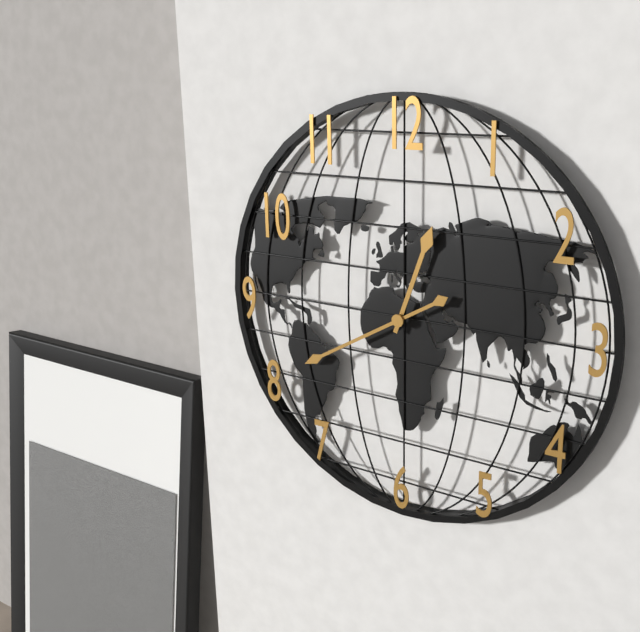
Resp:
h=12 m=40
